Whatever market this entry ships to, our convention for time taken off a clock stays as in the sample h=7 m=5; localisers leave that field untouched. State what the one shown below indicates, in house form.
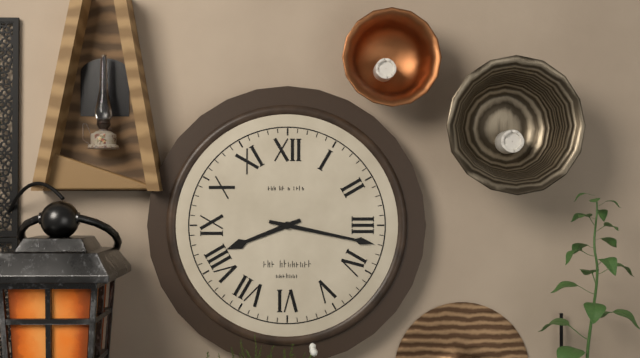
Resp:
h=8 m=17
